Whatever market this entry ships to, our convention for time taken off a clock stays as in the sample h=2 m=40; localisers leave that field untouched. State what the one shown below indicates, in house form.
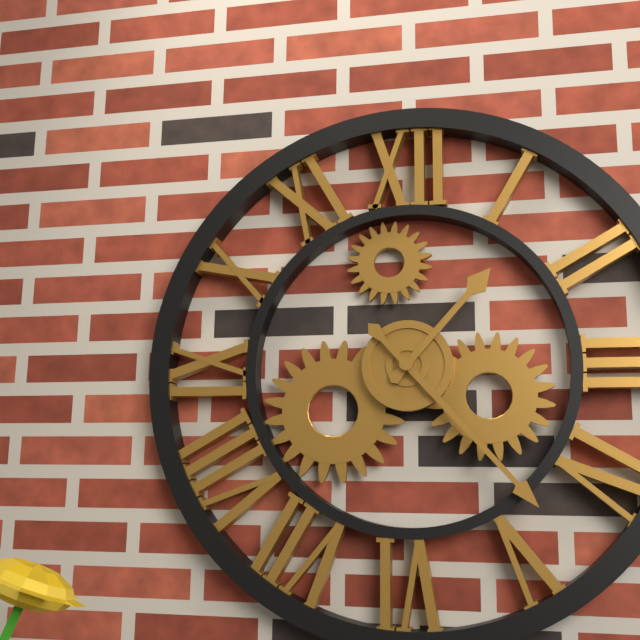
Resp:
h=1 m=23
